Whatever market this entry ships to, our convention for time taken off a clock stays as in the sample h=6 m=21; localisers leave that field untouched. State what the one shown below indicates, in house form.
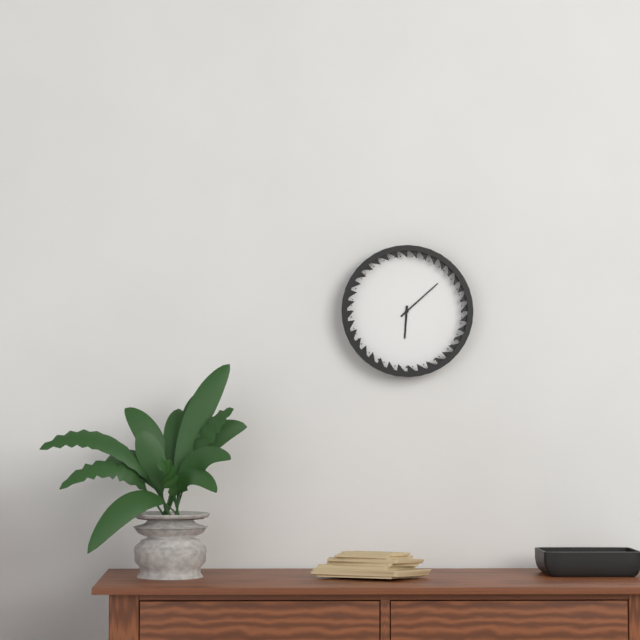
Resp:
h=6 m=8
